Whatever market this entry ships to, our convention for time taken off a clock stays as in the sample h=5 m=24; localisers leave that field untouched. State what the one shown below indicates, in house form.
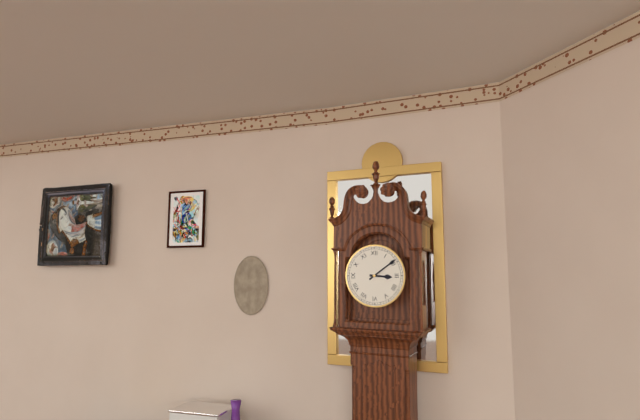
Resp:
h=3 m=9
